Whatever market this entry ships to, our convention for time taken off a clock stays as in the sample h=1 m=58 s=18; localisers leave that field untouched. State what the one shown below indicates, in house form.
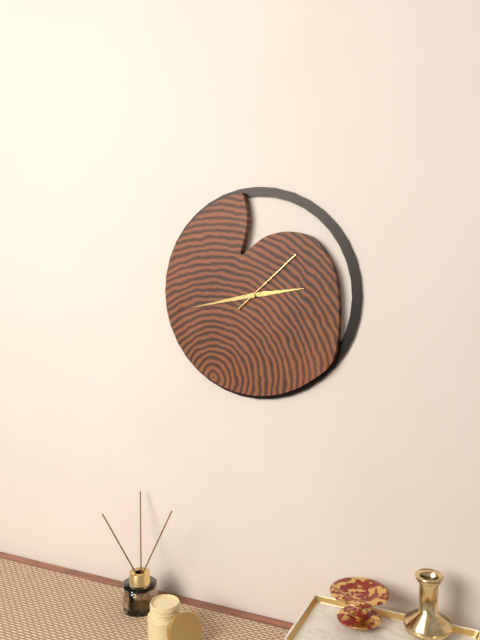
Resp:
h=2 m=43 s=8
